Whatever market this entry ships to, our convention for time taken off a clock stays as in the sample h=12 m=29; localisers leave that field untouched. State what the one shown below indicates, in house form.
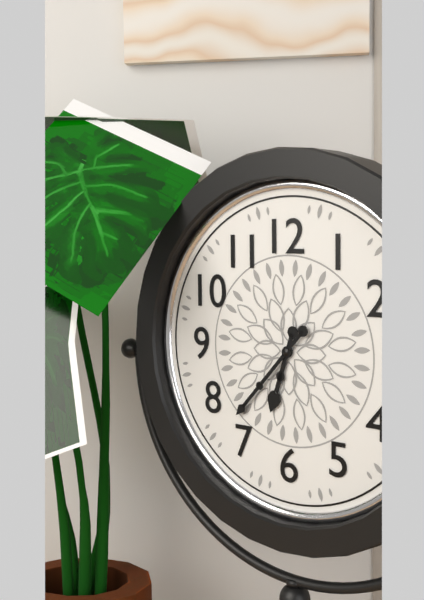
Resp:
h=6 m=37
